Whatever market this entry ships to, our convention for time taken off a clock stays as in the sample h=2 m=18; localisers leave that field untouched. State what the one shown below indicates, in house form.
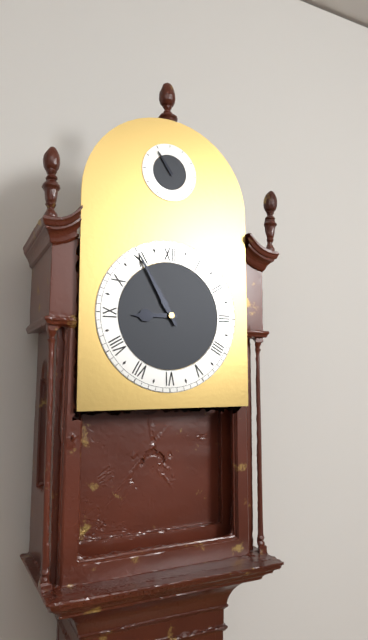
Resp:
h=8 m=55
